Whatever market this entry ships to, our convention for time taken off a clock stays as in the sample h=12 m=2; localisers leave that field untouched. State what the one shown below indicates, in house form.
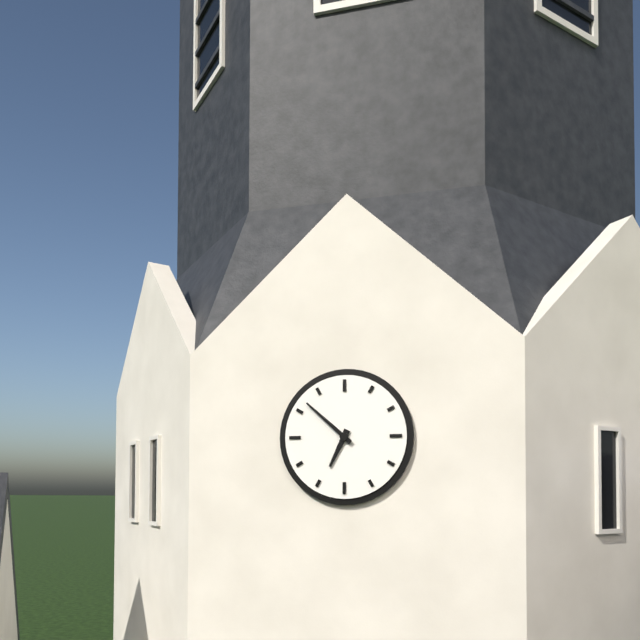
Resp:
h=6 m=52
